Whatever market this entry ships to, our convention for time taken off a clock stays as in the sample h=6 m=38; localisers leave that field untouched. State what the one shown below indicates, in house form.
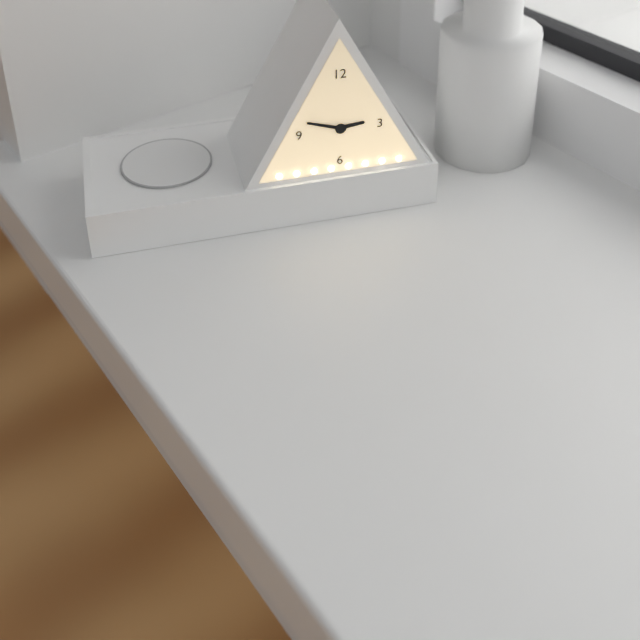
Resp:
h=2 m=48
